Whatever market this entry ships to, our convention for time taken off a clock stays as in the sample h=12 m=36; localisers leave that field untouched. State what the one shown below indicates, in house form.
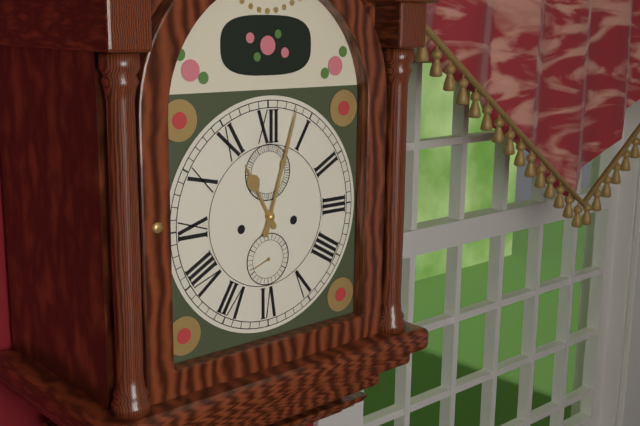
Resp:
h=11 m=3
